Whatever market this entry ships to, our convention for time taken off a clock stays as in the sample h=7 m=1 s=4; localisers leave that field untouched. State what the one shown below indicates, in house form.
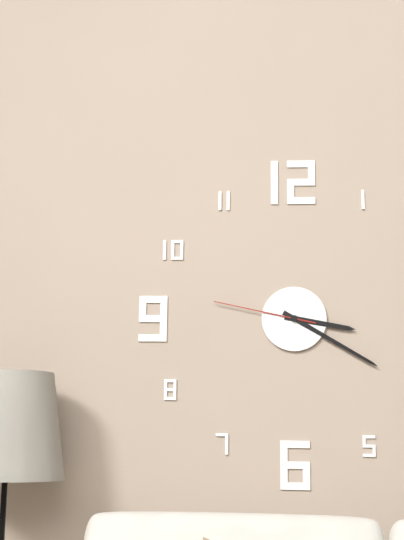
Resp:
h=3 m=20 s=47
